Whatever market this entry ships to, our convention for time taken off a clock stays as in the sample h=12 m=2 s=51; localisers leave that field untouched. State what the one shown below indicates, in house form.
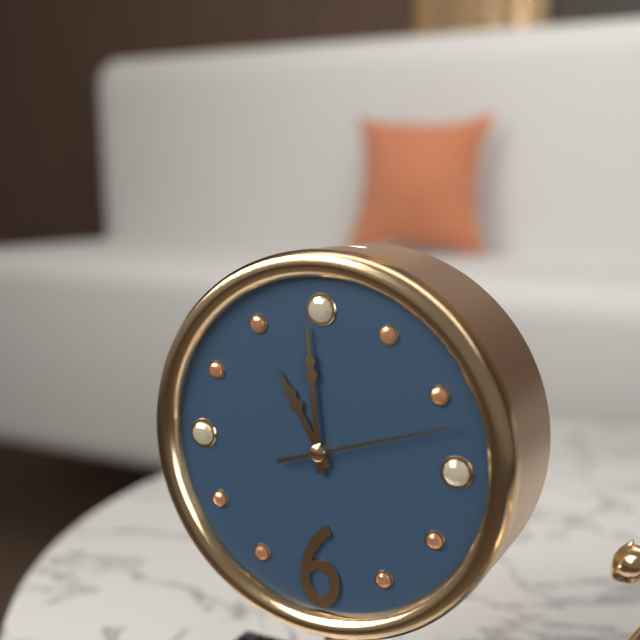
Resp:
h=10 m=59 s=12
